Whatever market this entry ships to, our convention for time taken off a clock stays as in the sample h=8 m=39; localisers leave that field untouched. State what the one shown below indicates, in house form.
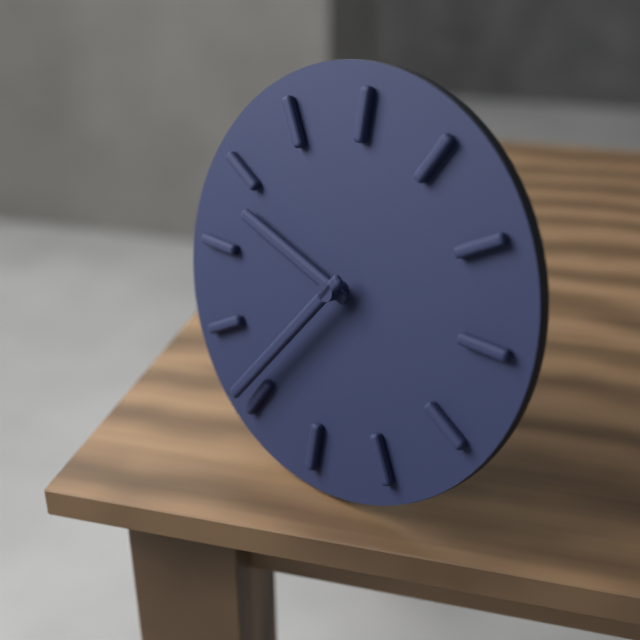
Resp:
h=9 m=36
